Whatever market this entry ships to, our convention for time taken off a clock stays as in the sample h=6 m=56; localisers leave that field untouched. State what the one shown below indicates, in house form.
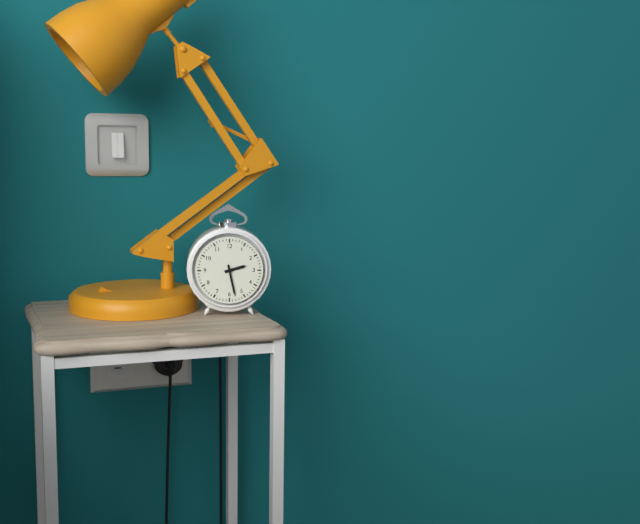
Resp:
h=2 m=28
